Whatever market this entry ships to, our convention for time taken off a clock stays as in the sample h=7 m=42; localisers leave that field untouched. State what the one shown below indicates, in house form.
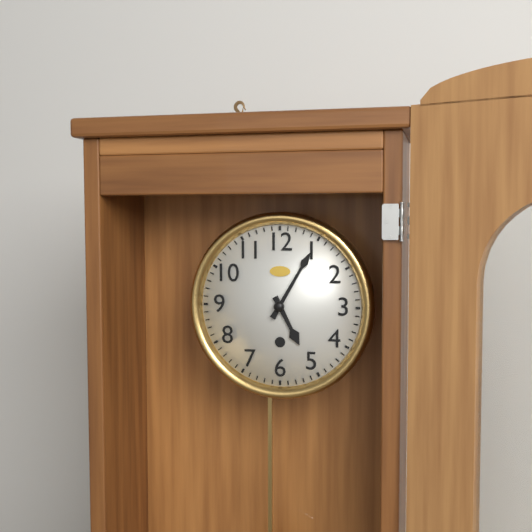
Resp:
h=5 m=5
